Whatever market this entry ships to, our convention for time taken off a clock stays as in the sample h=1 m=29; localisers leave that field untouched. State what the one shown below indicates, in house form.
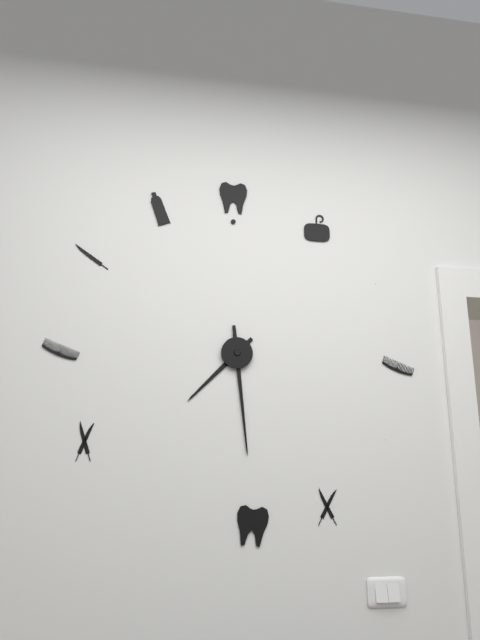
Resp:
h=7 m=29
